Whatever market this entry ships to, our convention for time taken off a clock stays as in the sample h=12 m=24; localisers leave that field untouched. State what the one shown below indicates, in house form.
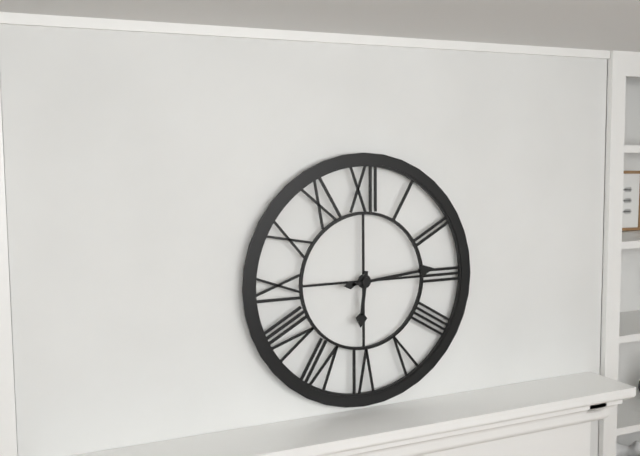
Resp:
h=6 m=14
